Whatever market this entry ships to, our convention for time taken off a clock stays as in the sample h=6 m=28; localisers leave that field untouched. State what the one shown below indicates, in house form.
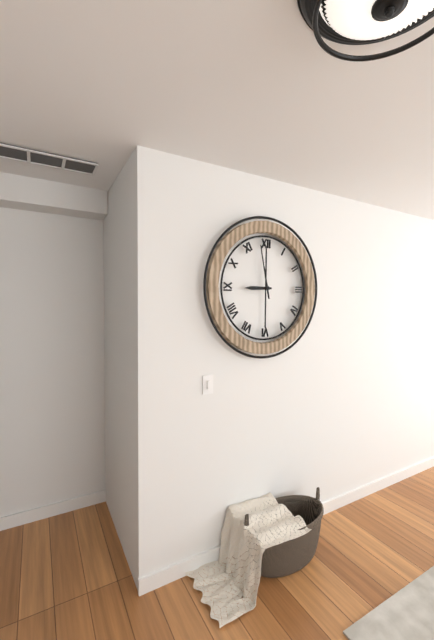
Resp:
h=8 m=58
